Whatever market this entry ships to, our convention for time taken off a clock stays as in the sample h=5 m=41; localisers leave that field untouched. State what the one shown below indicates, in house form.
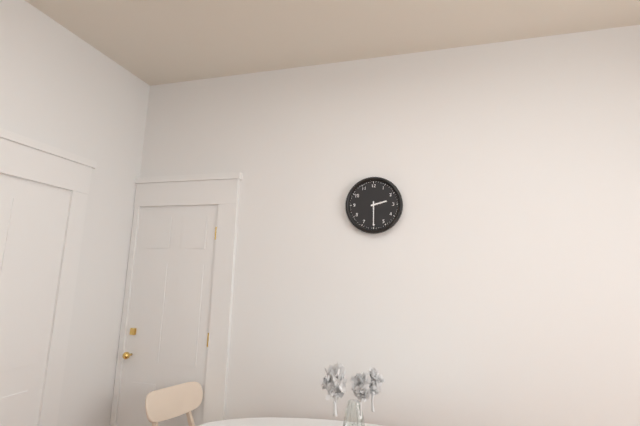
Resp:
h=2 m=30
